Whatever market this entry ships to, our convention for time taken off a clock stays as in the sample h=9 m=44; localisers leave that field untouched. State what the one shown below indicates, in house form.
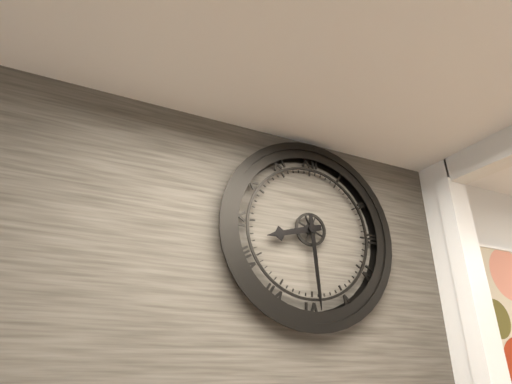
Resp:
h=8 m=29
